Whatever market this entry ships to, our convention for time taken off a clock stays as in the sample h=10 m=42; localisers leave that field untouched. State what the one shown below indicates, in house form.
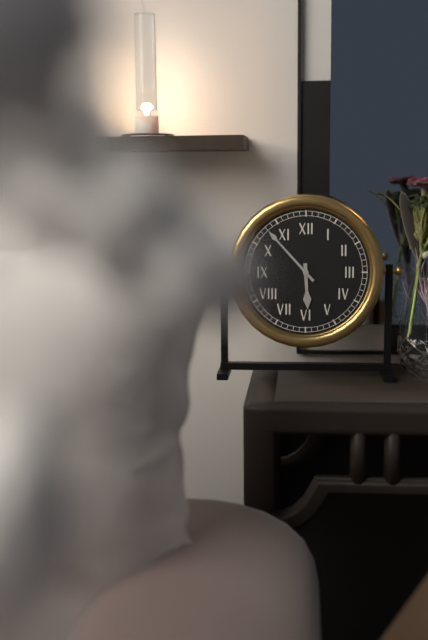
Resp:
h=5 m=53
